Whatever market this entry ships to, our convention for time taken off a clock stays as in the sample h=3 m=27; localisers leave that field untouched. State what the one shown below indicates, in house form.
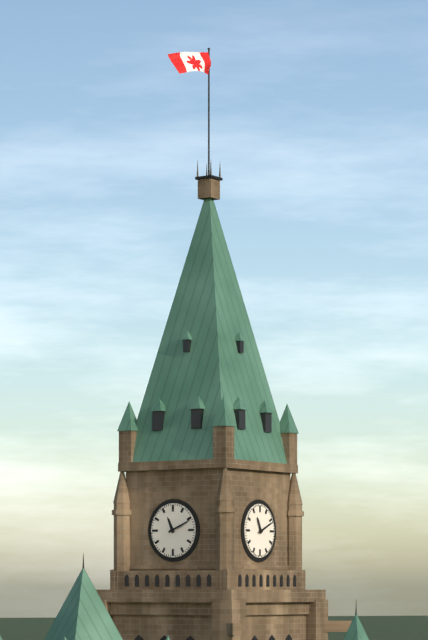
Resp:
h=11 m=11
